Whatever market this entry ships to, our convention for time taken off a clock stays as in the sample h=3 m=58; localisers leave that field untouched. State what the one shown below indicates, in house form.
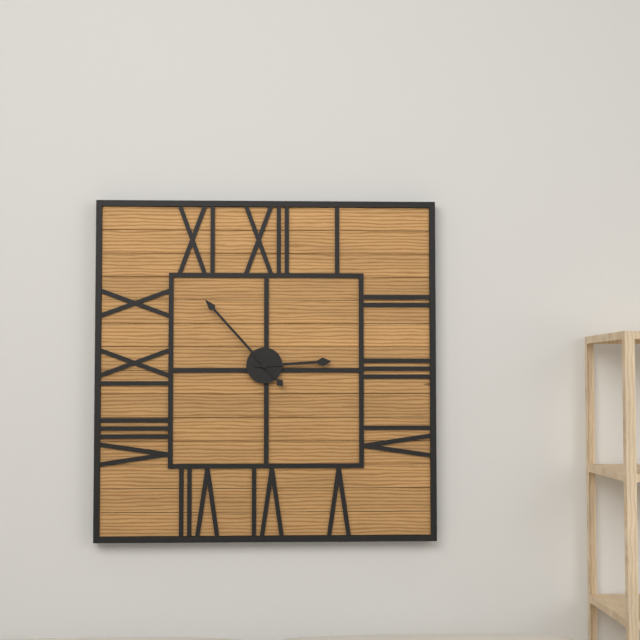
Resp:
h=2 m=53
